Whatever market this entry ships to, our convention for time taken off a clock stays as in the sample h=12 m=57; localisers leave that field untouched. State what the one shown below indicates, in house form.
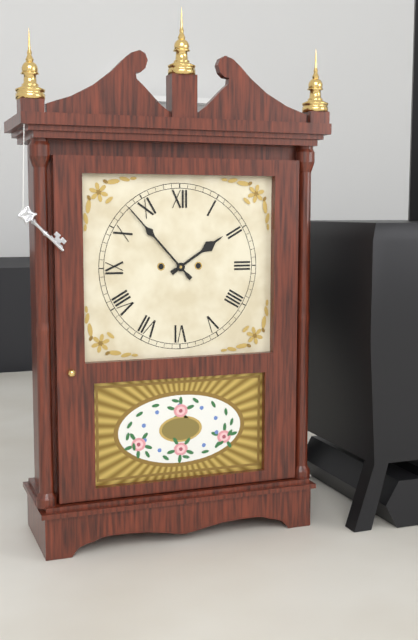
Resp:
h=1 m=53
